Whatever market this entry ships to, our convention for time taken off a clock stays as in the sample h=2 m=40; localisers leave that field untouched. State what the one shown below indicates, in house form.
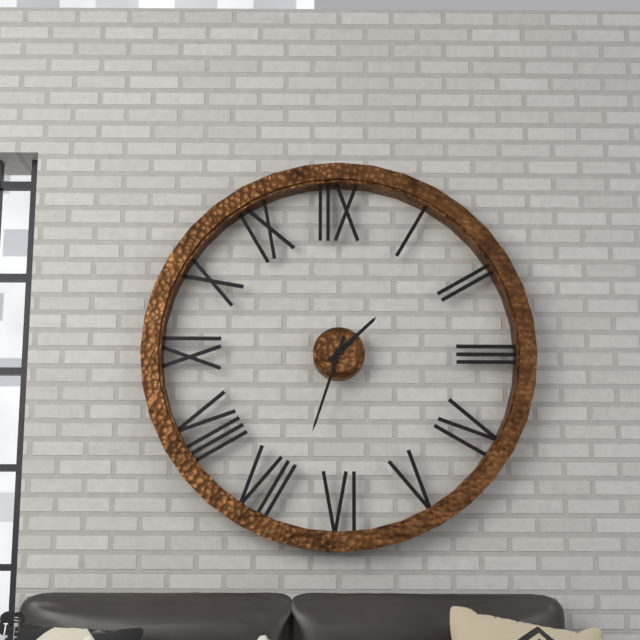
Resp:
h=1 m=33
